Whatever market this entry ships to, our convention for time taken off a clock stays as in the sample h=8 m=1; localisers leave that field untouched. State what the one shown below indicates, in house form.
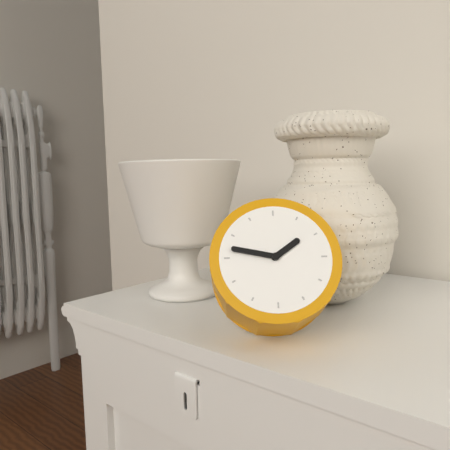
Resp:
h=1 m=47
